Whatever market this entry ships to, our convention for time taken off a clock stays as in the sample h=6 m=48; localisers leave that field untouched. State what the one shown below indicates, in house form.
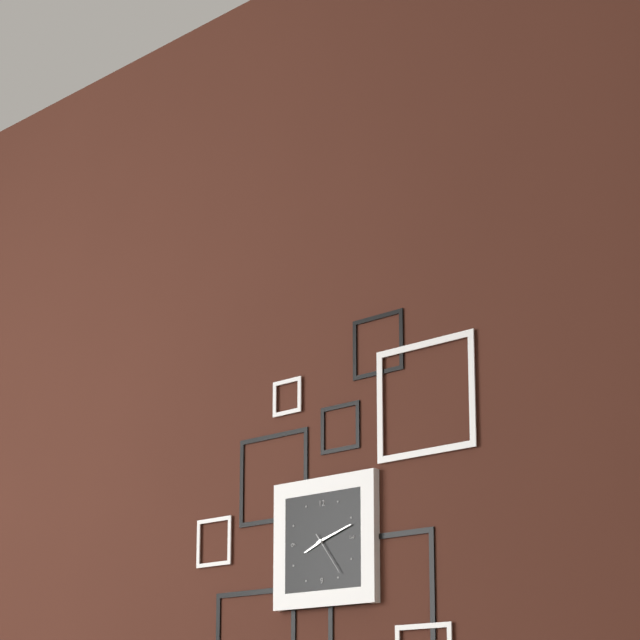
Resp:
h=8 m=12
